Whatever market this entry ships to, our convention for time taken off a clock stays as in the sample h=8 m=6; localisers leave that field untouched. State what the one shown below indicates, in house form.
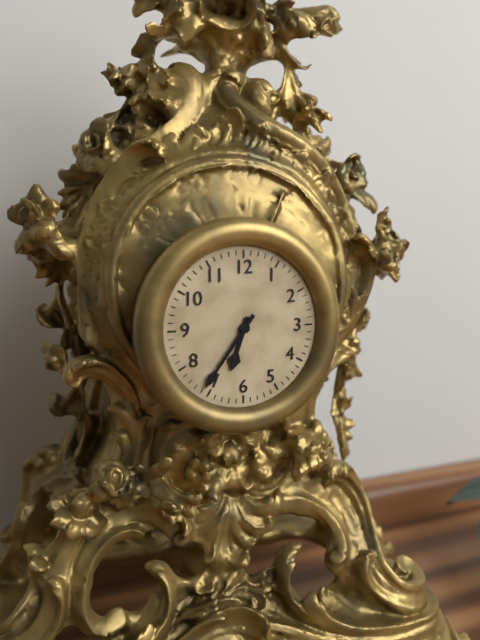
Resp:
h=6 m=36
